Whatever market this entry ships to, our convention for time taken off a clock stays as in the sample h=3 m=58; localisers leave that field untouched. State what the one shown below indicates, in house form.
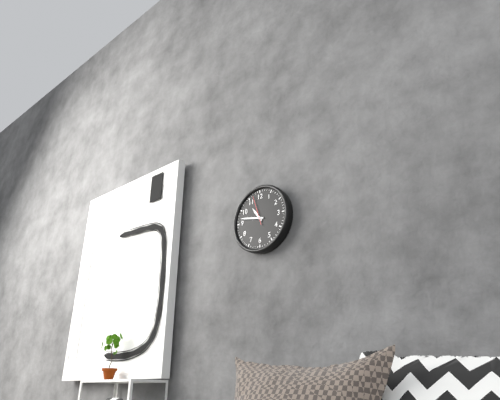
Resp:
h=10 m=47
